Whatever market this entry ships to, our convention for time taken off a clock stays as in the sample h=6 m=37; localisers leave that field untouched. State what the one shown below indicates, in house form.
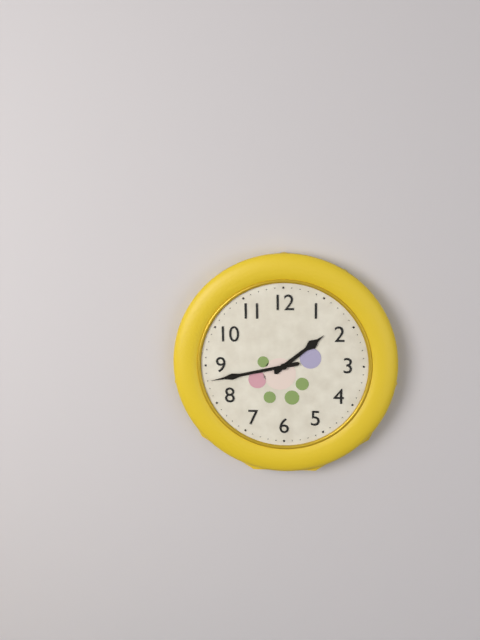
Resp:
h=1 m=43
